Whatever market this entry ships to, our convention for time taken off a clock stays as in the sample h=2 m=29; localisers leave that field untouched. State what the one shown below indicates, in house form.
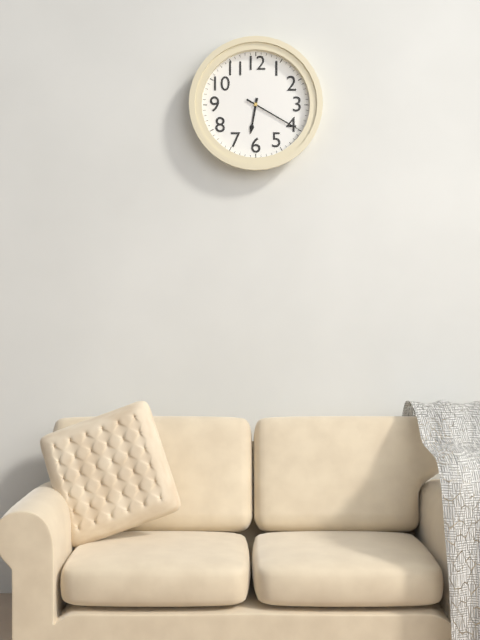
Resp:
h=6 m=20
